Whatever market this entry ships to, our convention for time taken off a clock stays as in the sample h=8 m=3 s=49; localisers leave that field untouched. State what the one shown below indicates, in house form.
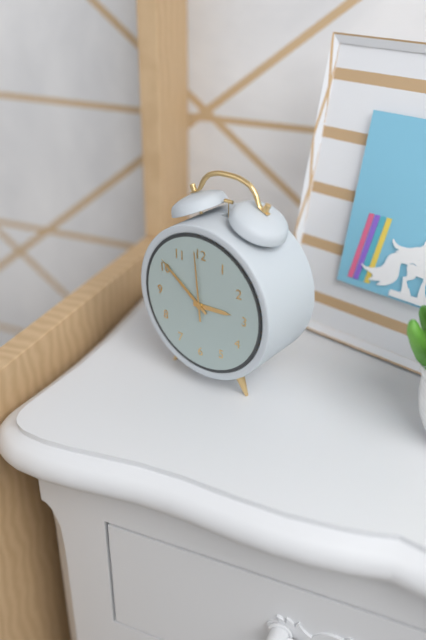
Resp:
h=2 m=51 s=59
